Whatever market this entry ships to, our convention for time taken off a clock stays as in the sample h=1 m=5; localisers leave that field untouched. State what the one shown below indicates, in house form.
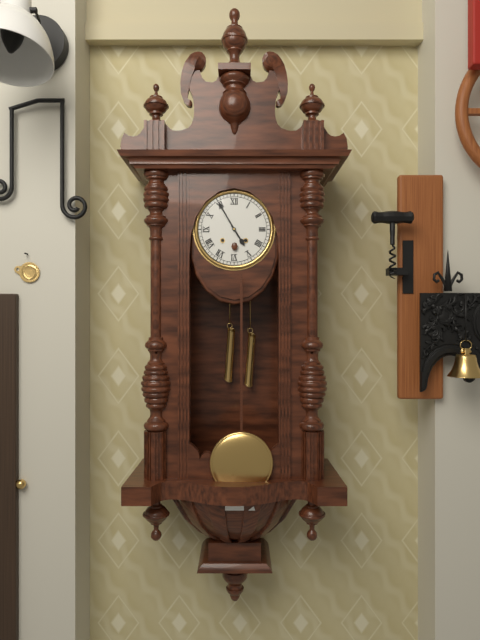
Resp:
h=4 m=55
